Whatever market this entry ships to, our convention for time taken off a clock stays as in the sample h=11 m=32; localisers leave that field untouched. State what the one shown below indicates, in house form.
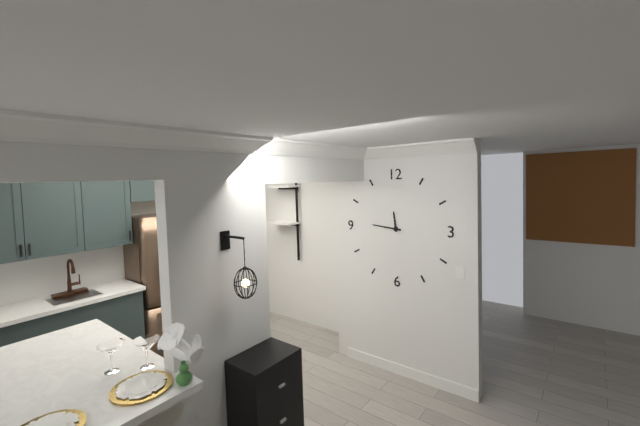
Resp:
h=11 m=46
